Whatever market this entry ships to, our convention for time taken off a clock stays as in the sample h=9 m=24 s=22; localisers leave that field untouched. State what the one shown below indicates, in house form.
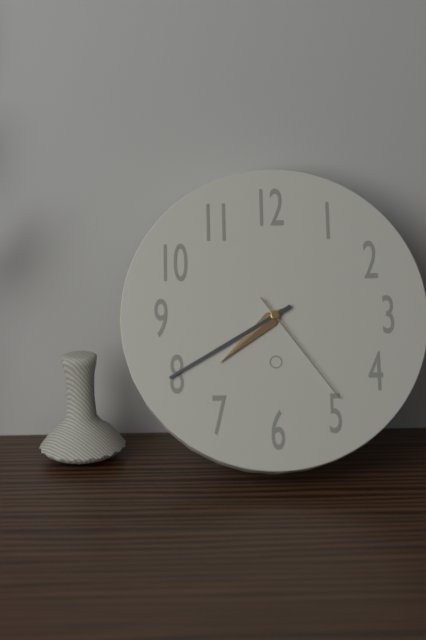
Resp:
h=7 m=40 s=24
